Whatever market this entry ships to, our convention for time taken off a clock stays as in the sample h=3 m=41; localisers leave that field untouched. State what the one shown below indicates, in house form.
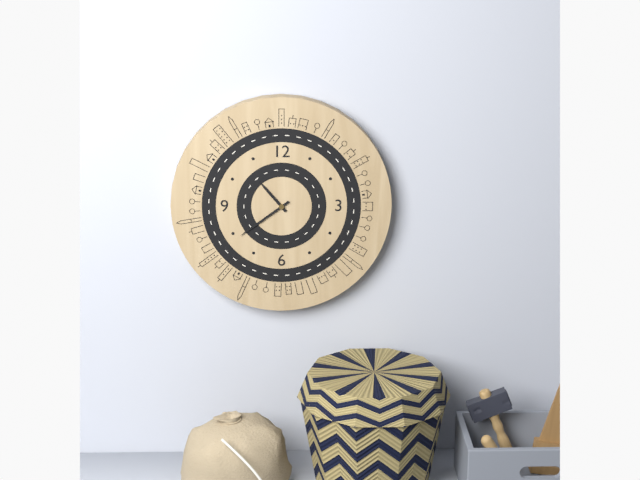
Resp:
h=10 m=39
